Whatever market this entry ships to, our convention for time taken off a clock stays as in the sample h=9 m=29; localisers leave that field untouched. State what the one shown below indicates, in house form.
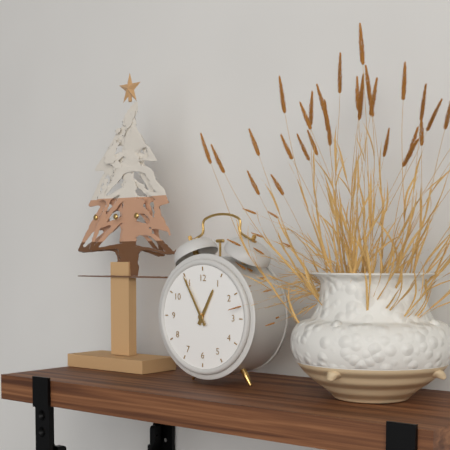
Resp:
h=12 m=55
